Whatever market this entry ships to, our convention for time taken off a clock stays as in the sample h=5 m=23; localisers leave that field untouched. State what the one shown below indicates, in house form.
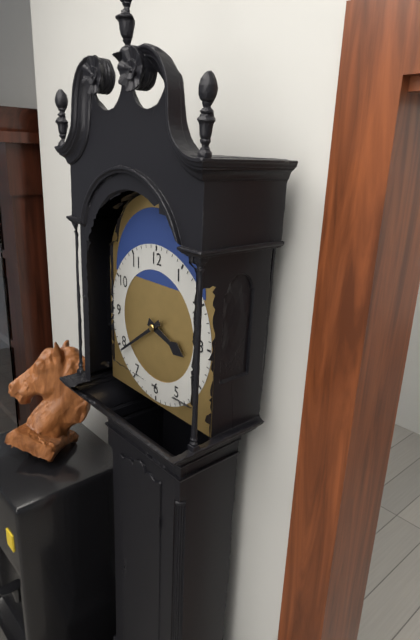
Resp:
h=3 m=39
